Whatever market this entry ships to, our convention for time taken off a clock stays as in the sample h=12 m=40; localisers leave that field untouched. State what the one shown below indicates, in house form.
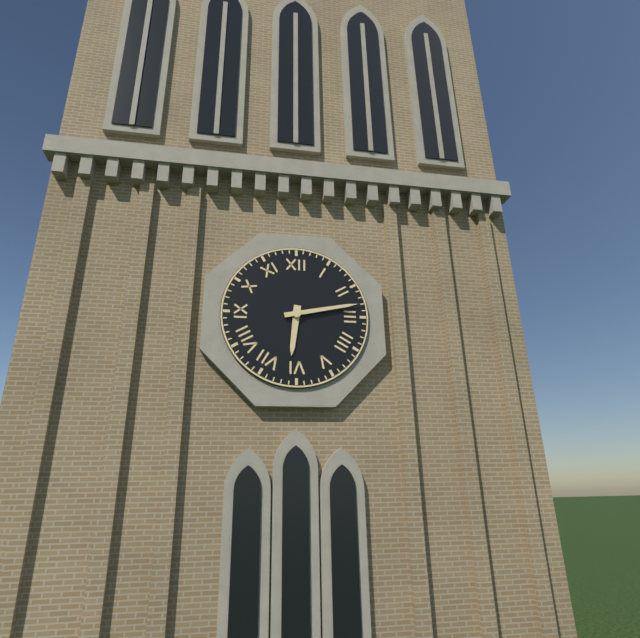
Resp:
h=6 m=13
